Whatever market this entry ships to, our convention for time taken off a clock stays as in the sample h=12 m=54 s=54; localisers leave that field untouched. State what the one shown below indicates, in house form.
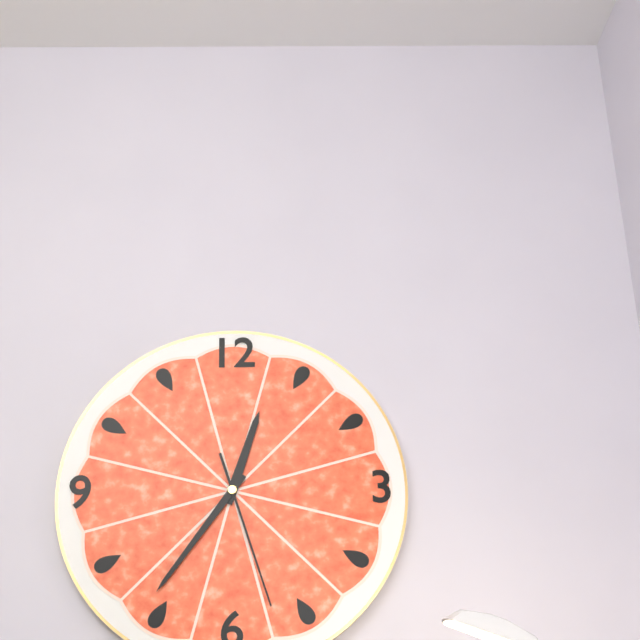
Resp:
h=12 m=36 s=27
